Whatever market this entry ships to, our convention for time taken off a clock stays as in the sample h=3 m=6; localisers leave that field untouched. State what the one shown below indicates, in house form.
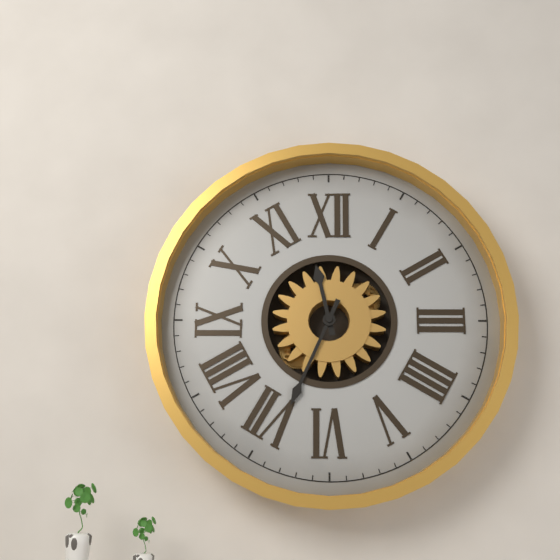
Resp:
h=11 m=34
